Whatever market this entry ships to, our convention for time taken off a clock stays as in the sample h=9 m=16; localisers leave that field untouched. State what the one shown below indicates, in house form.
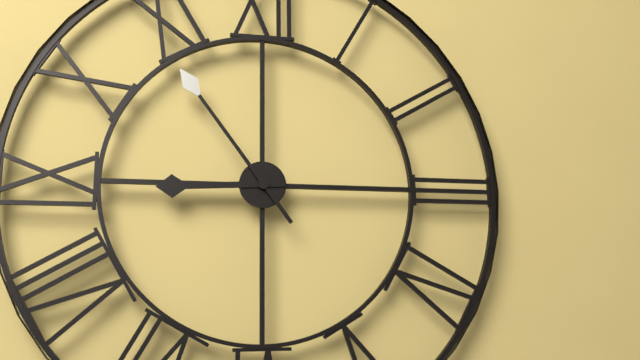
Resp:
h=8 m=54
